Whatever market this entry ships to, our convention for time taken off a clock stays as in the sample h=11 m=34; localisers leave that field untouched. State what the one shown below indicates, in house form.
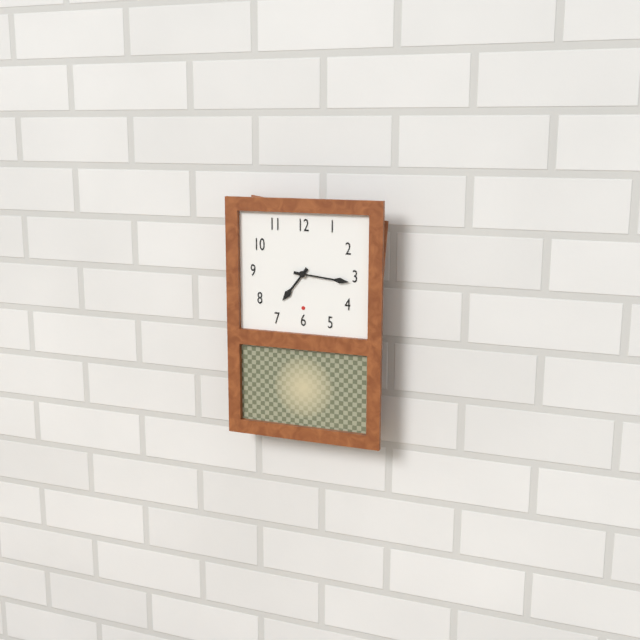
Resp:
h=7 m=16
